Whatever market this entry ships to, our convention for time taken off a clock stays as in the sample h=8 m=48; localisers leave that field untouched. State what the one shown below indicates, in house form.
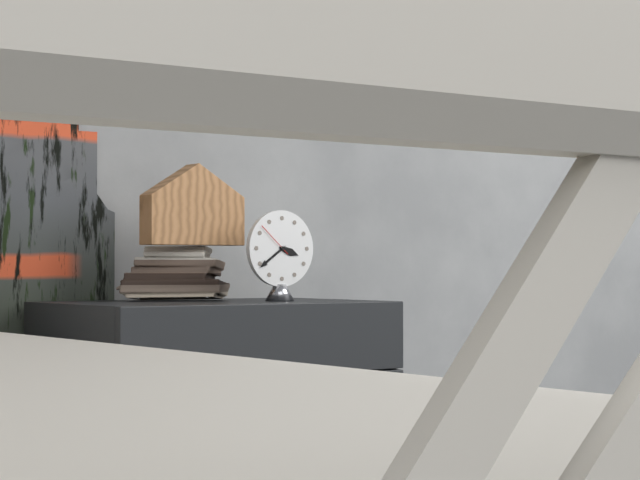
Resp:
h=3 m=39
